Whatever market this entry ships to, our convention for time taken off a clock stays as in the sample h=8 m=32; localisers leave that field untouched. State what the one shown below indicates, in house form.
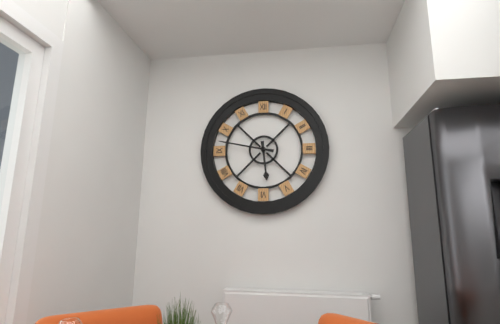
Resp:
h=5 m=47
